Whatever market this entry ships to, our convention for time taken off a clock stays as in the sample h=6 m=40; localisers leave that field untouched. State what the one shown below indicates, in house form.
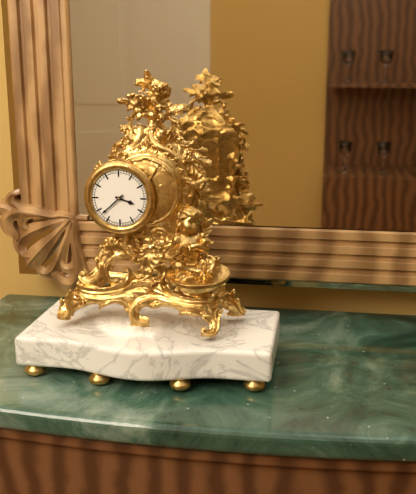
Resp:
h=3 m=38
